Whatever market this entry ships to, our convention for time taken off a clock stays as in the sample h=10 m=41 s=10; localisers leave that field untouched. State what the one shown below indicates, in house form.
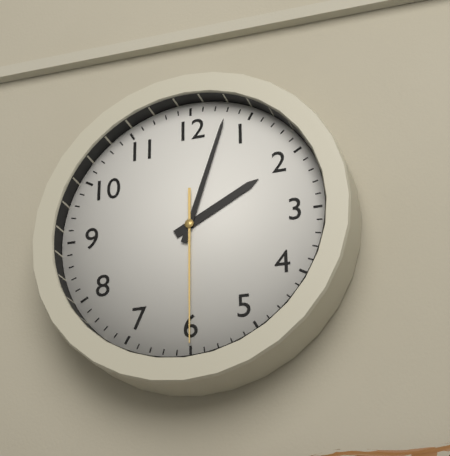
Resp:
h=2 m=3 s=30
